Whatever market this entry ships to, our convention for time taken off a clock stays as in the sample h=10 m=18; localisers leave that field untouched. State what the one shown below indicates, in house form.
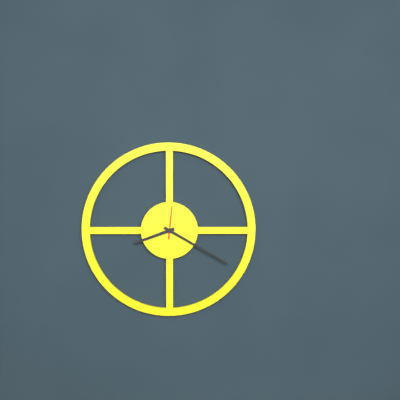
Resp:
h=8 m=20
